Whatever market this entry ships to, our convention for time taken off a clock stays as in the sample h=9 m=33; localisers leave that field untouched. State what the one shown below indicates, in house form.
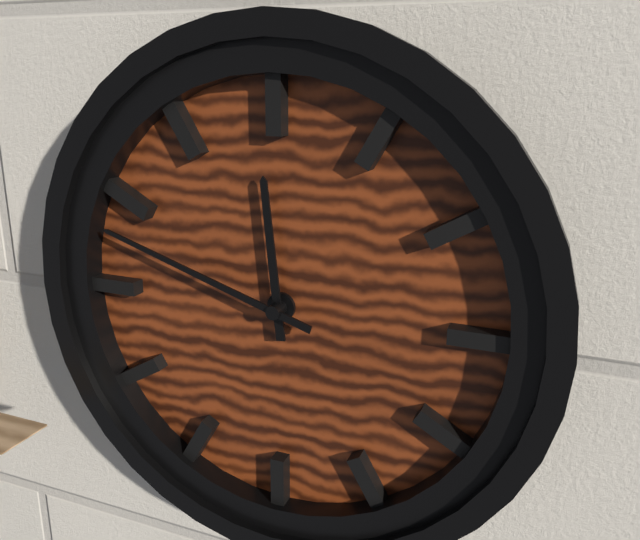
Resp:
h=11 m=48
